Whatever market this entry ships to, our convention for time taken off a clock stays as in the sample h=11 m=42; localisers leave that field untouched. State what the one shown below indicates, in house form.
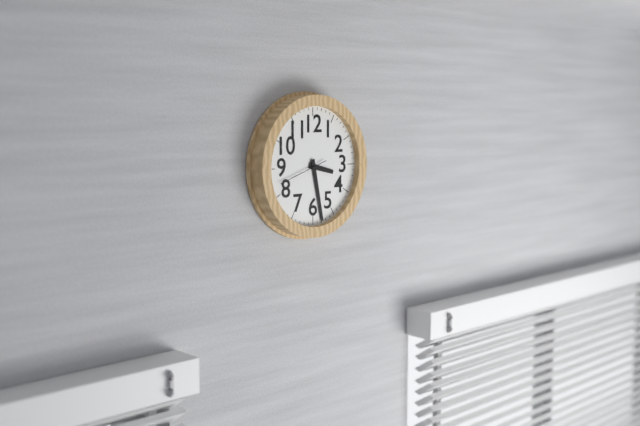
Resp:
h=3 m=28
